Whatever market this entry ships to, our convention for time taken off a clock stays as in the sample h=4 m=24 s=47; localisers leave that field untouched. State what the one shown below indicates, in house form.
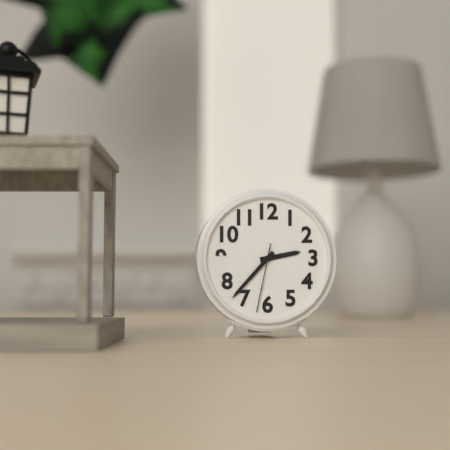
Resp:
h=2 m=37 s=32
